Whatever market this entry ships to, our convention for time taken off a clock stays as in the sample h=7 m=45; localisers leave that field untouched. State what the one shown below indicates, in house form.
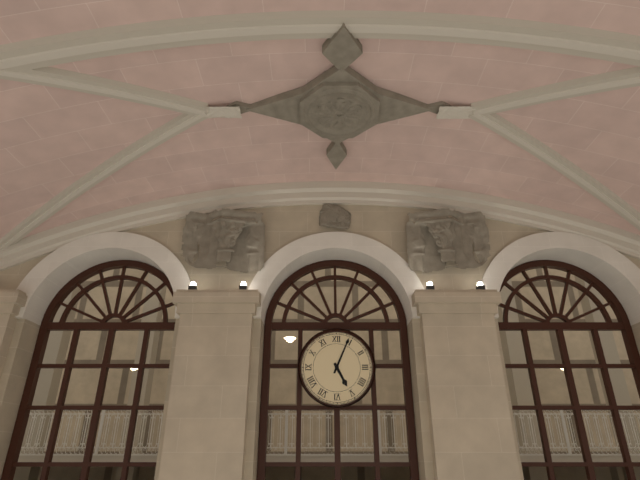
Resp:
h=5 m=4
